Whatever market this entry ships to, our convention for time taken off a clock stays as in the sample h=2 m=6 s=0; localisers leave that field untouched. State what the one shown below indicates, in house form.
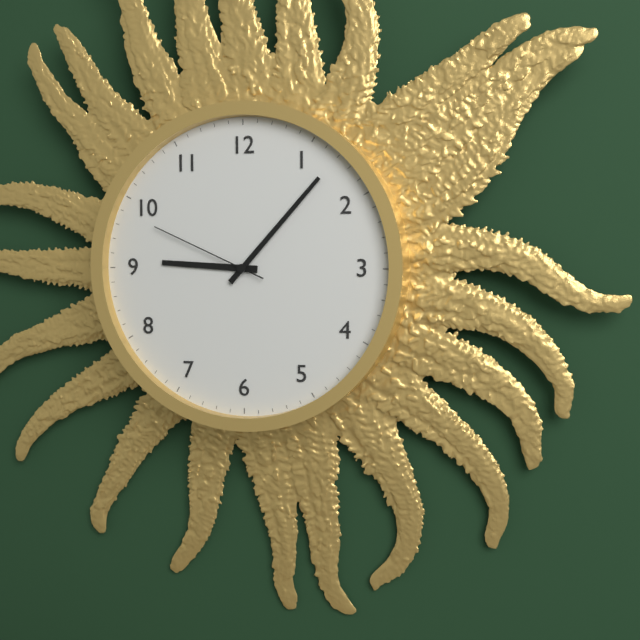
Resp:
h=9 m=7 s=49
